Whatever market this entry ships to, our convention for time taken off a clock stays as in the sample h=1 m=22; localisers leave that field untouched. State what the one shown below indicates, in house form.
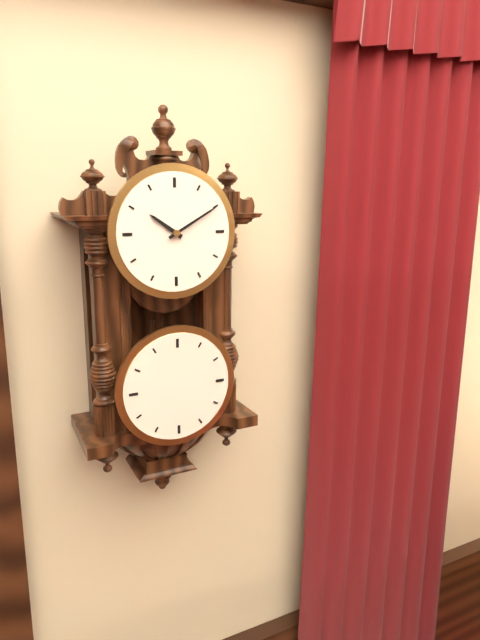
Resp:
h=10 m=10
